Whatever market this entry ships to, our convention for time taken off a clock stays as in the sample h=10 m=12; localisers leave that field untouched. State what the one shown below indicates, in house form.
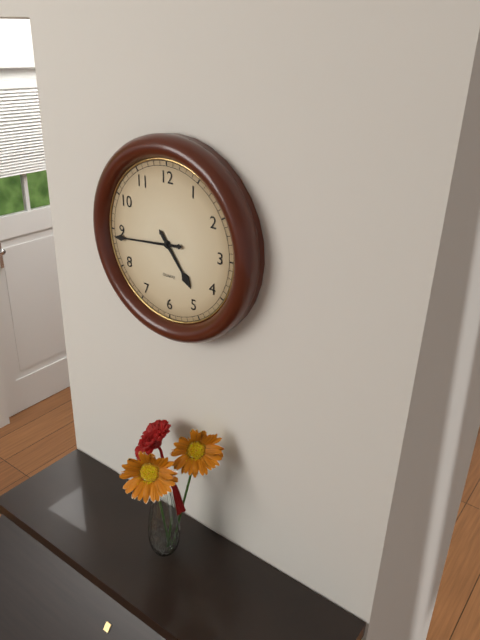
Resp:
h=4 m=44
